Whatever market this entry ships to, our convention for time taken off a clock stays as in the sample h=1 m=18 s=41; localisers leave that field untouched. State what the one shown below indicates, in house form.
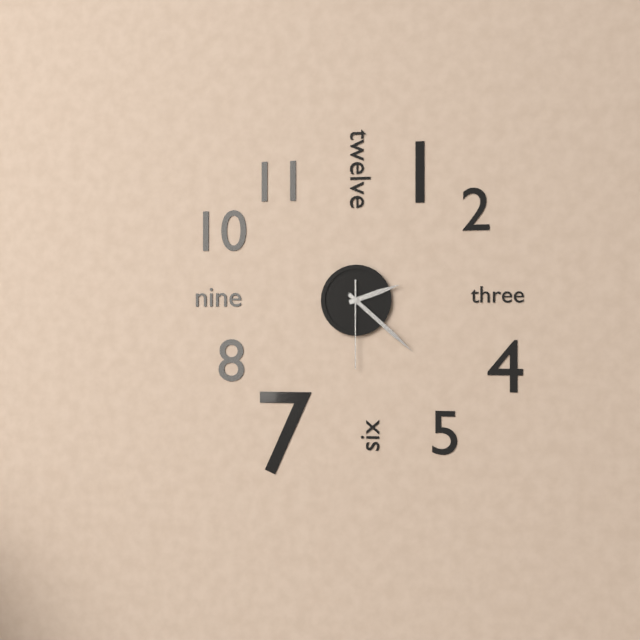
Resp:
h=2 m=22 s=30
